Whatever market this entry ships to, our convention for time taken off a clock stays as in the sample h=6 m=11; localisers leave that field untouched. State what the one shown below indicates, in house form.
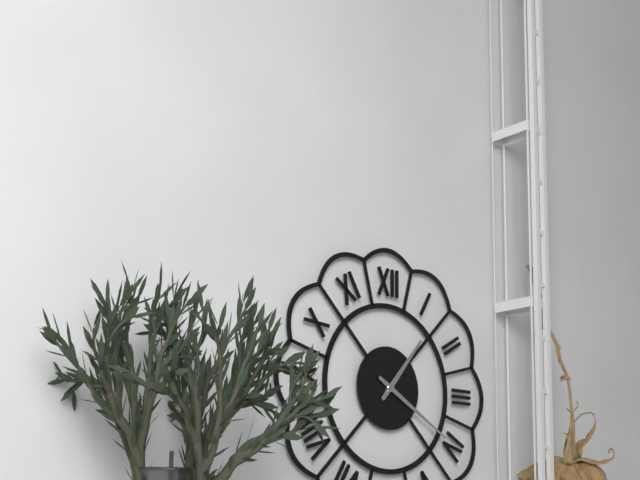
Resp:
h=1 m=20
